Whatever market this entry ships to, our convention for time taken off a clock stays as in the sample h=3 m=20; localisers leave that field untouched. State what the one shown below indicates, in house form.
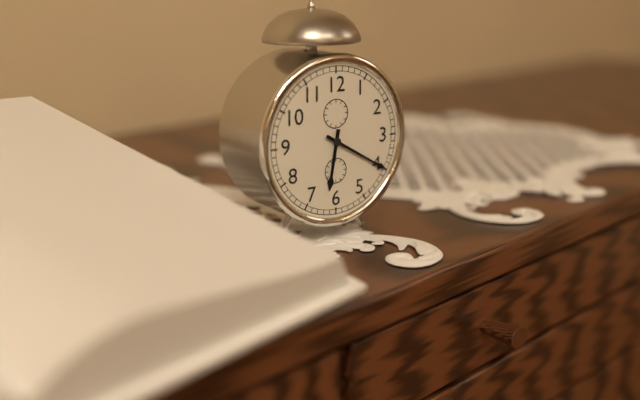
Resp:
h=6 m=20
